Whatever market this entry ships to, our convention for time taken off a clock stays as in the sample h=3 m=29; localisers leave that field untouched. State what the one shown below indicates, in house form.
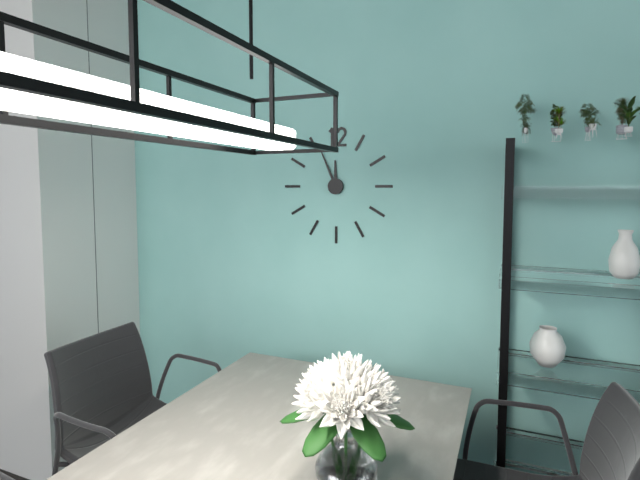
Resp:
h=11 m=56
